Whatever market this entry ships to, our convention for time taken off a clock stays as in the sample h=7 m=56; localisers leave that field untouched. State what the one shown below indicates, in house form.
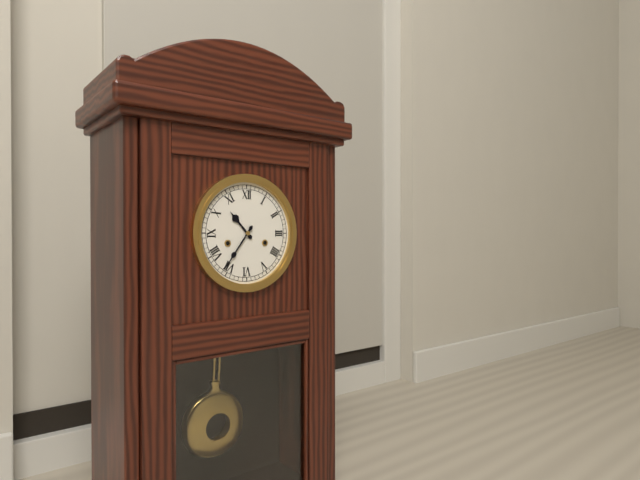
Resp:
h=10 m=36
